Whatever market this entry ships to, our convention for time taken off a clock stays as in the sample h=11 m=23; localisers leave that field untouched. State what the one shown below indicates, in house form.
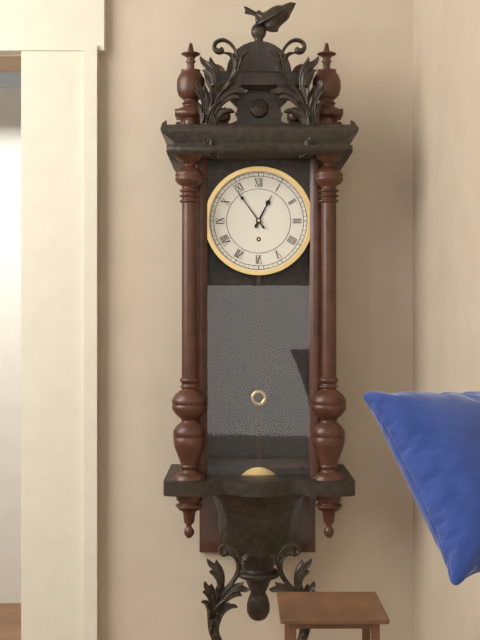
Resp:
h=12 m=54
